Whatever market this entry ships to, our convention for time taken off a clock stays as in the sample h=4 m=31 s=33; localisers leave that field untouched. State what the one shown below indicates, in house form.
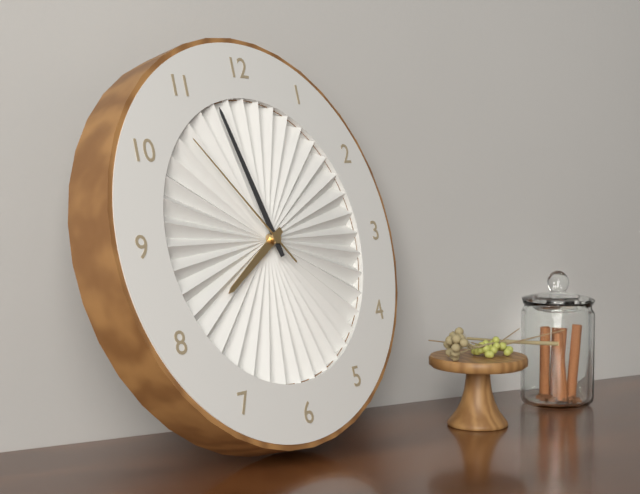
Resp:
h=7 m=57 s=53
